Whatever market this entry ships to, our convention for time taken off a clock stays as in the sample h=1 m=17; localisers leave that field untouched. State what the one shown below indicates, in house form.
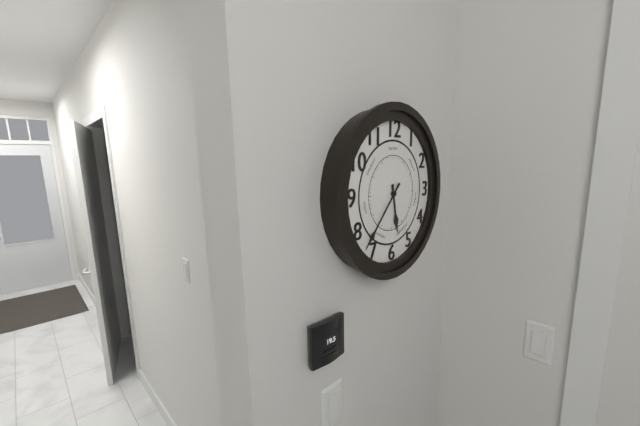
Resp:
h=5 m=37
